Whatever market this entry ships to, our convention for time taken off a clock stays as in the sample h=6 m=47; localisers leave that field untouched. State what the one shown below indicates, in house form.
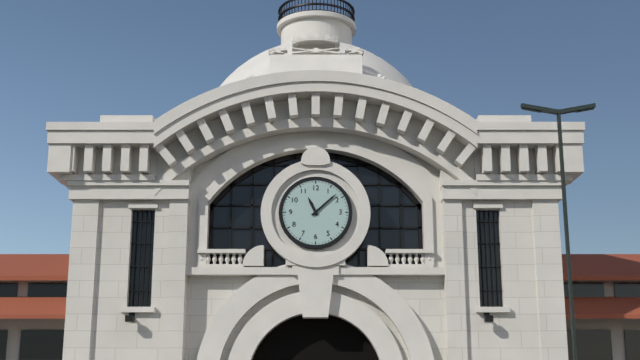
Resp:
h=11 m=8
